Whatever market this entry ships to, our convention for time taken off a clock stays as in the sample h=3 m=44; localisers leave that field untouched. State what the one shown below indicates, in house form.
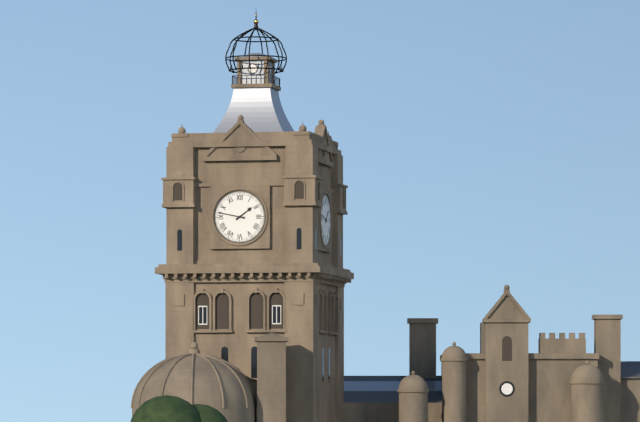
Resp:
h=1 m=47
